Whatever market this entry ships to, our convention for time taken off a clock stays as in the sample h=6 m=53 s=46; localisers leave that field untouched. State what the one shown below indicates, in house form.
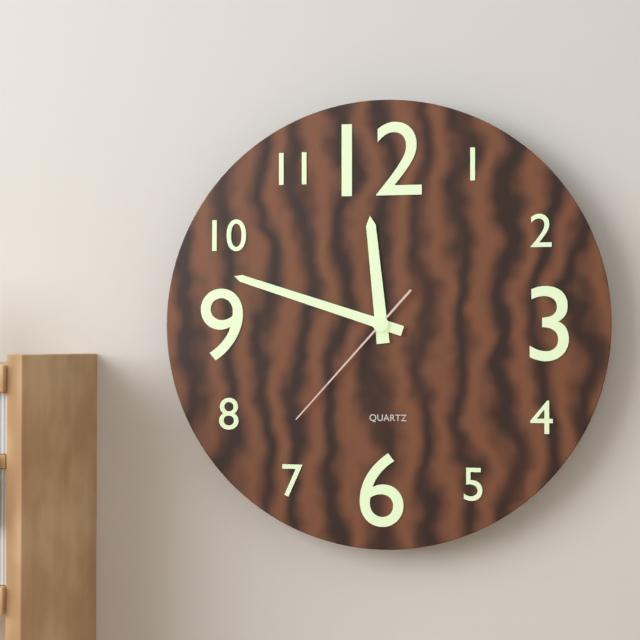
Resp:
h=11 m=48 s=37
